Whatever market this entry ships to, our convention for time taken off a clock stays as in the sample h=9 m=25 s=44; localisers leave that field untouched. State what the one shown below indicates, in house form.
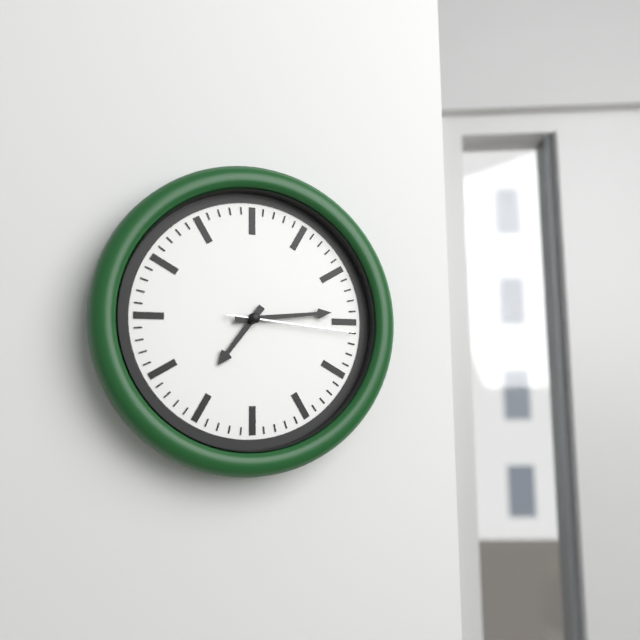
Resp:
h=7 m=14 s=16
